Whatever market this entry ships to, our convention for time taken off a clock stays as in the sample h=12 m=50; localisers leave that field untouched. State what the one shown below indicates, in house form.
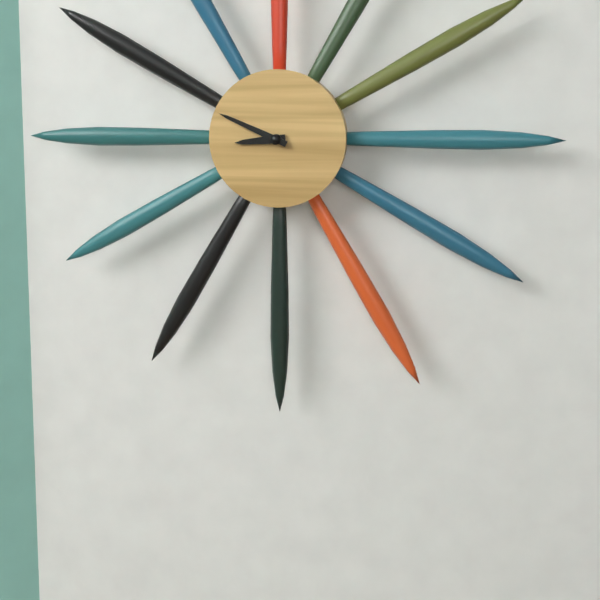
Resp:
h=8 m=49
